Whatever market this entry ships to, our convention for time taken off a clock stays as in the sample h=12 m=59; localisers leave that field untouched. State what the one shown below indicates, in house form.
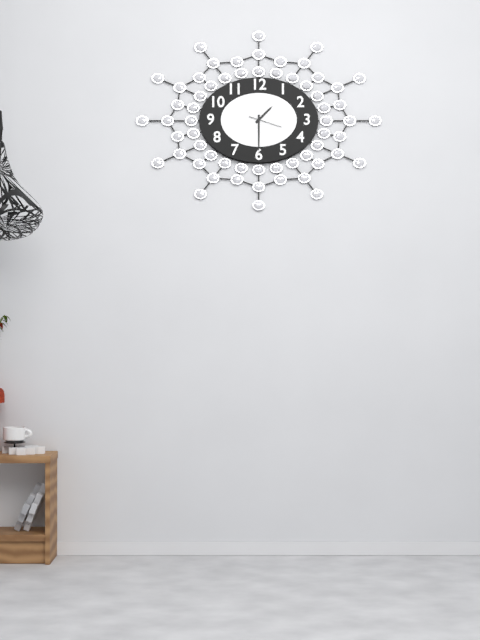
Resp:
h=1 m=30
